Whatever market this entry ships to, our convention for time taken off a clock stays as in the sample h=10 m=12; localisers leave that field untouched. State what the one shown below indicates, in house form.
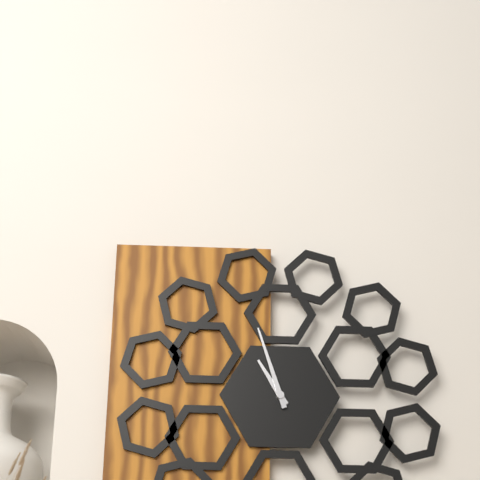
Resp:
h=10 m=57
